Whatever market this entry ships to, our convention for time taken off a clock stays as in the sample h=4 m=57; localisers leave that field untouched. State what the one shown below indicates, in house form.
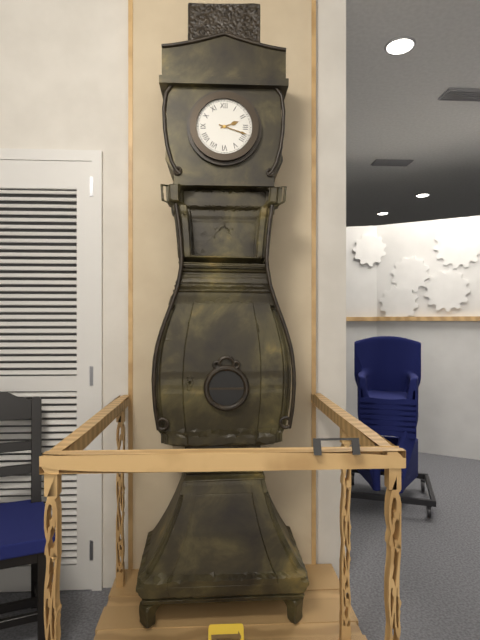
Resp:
h=2 m=18
